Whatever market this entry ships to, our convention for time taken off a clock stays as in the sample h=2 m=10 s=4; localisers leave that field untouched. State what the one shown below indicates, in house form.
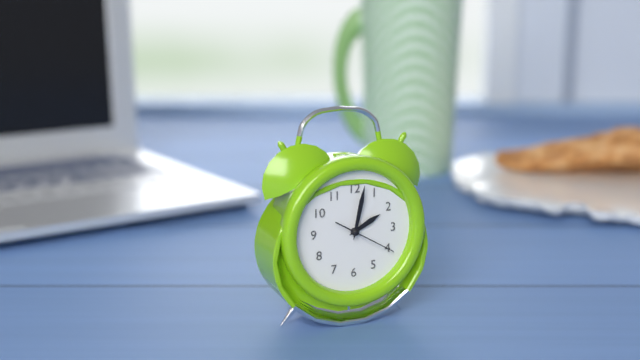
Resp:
h=2 m=2 s=20
